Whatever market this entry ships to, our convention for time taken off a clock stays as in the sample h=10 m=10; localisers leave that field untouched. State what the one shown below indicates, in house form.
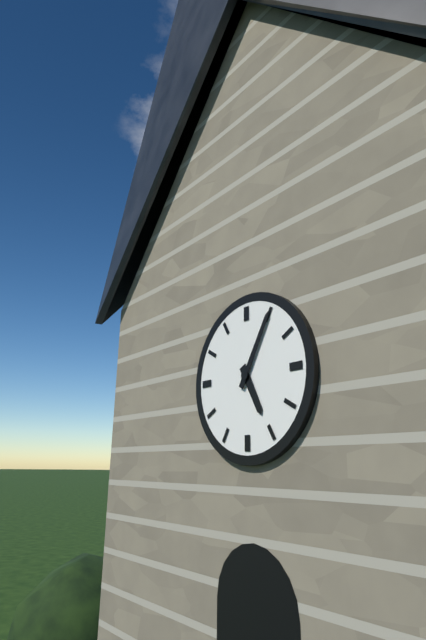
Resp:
h=5 m=5
